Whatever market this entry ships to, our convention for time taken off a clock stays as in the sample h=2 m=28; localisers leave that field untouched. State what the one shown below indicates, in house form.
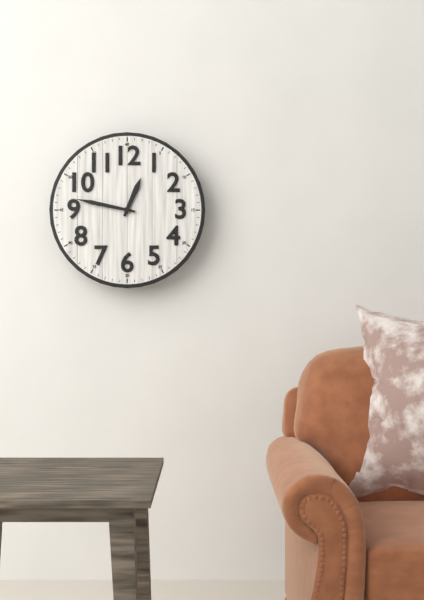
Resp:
h=12 m=47
